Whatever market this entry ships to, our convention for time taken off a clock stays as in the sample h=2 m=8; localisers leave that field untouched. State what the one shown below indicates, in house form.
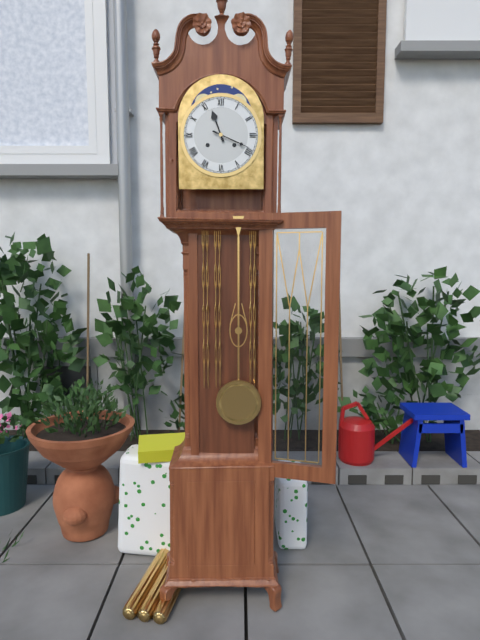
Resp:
h=11 m=19
